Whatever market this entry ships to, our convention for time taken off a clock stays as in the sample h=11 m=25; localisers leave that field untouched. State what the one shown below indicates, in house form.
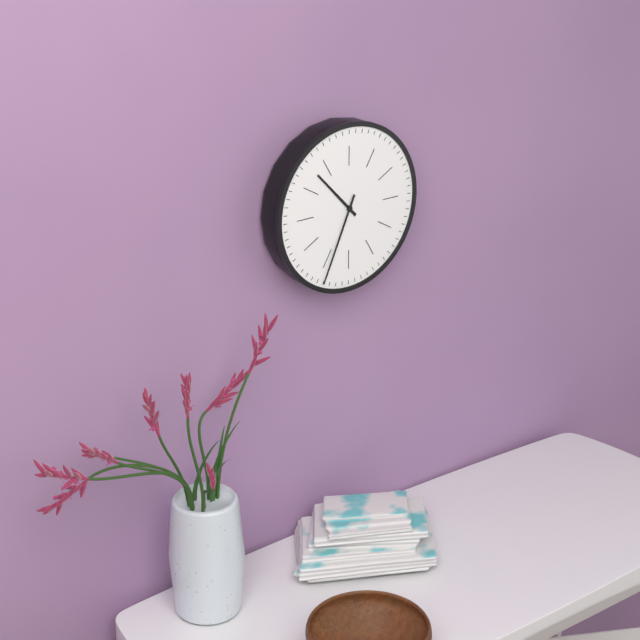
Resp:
h=10 m=34
